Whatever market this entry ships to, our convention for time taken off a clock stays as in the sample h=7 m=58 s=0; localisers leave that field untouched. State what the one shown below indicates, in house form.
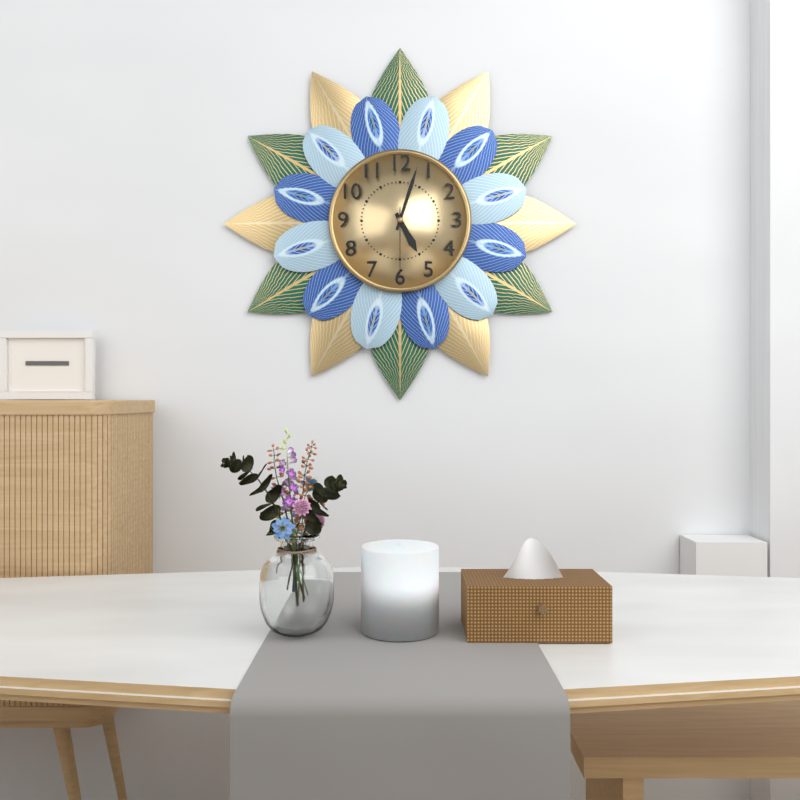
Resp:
h=5 m=3 s=30
